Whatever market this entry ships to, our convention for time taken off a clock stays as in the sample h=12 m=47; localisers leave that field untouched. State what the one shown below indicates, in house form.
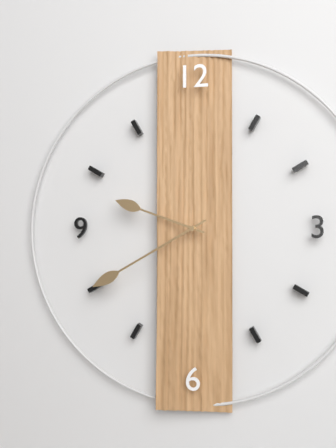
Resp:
h=9 m=40
